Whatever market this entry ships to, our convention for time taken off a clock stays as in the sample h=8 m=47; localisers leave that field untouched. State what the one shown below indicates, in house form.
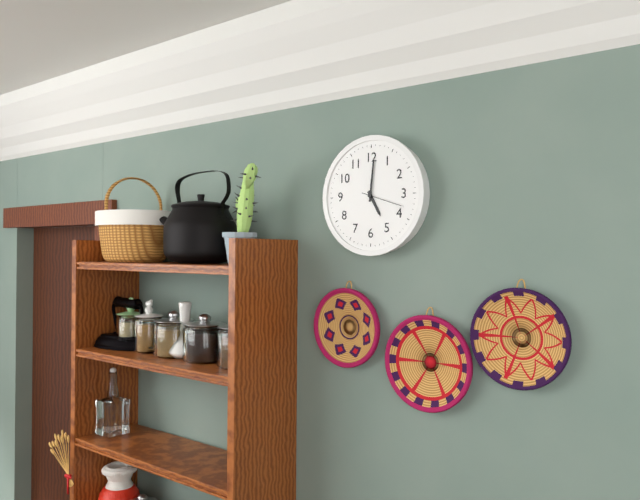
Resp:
h=5 m=1
